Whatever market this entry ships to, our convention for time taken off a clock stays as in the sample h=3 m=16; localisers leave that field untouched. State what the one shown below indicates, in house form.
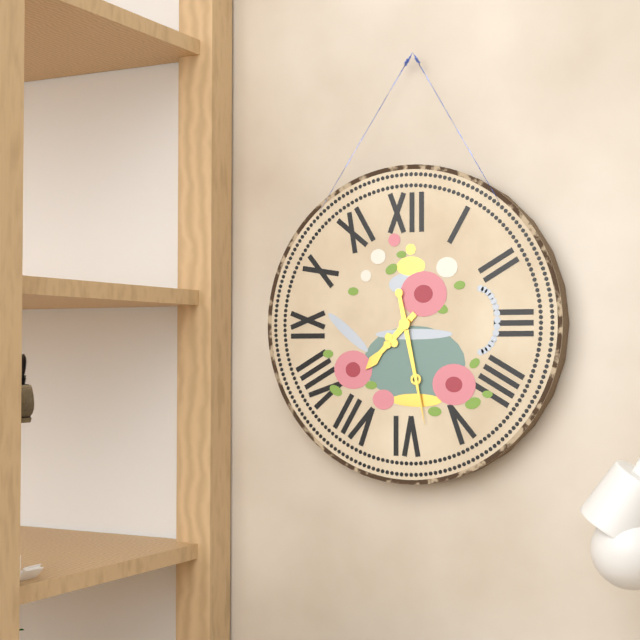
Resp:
h=7 m=28
